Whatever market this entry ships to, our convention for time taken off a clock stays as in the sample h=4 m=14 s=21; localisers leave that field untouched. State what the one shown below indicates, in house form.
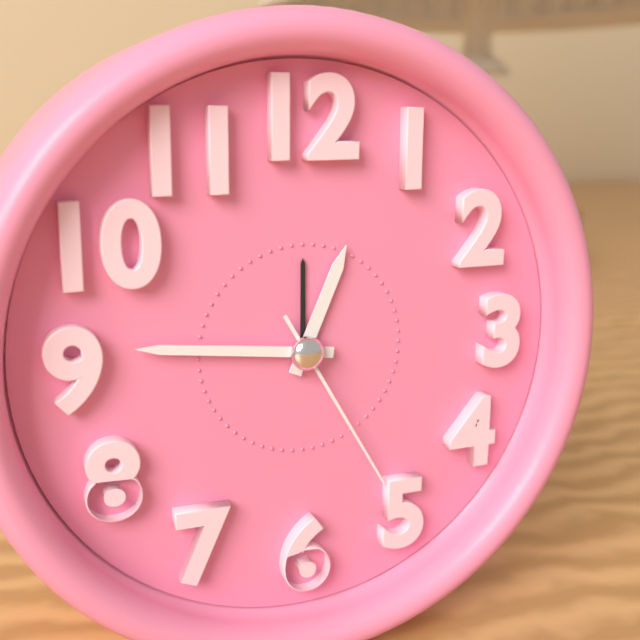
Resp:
h=12 m=46 s=25
